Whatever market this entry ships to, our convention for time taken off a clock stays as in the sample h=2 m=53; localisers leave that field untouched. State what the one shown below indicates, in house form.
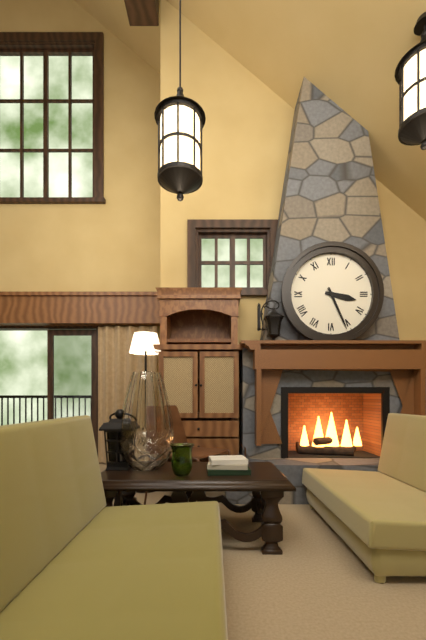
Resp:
h=3 m=26
